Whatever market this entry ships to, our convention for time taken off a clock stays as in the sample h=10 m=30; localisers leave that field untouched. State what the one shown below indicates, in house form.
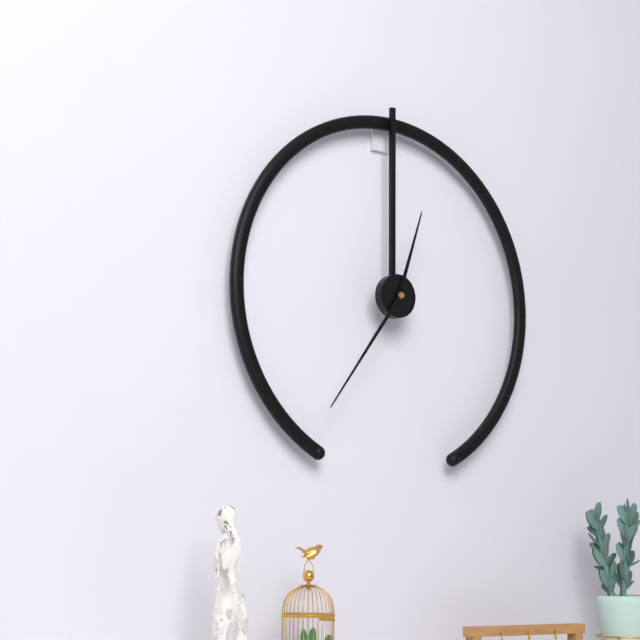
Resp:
h=12 m=36
